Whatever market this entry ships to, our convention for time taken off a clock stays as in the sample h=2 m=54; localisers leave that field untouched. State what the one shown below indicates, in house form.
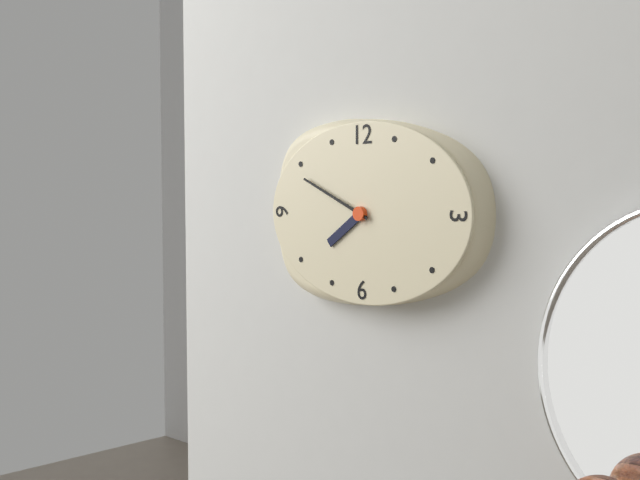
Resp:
h=7 m=49
